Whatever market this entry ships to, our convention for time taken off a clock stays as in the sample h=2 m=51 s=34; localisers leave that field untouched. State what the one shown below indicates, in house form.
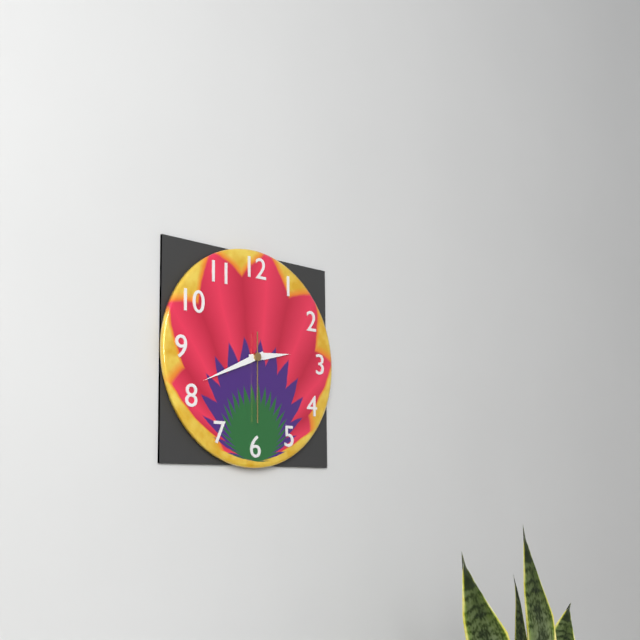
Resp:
h=2 m=41 s=30
